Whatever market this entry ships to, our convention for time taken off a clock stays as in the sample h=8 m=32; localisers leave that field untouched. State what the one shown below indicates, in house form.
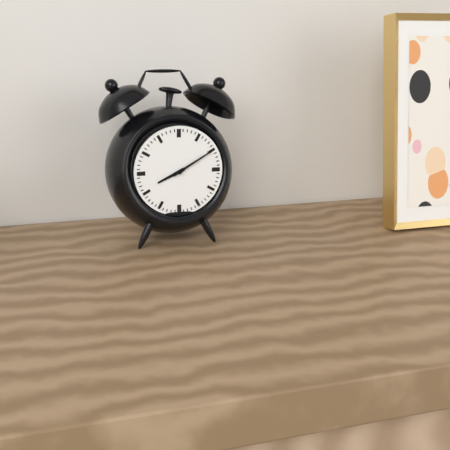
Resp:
h=8 m=10
